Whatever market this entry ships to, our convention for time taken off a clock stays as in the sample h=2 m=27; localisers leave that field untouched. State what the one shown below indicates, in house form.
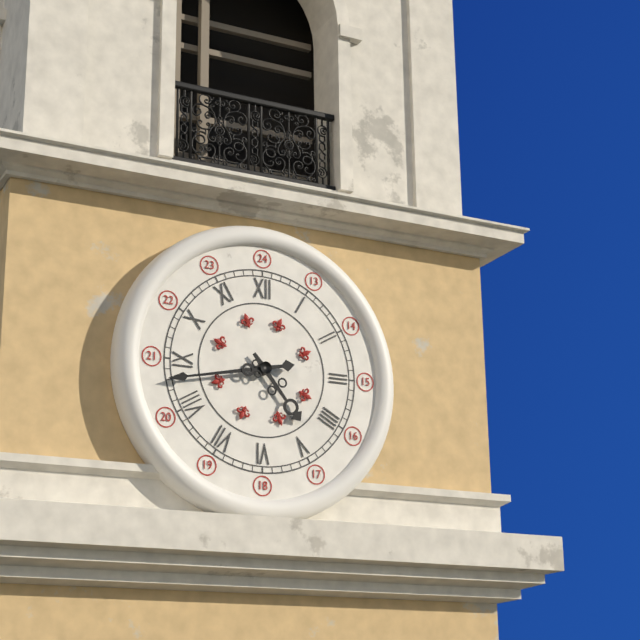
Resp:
h=4 m=43
